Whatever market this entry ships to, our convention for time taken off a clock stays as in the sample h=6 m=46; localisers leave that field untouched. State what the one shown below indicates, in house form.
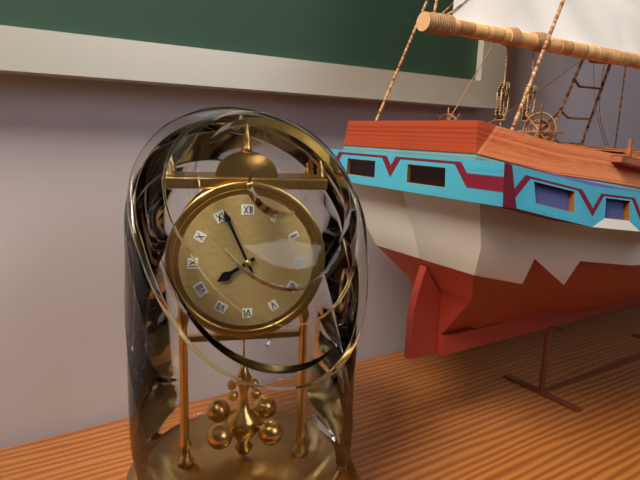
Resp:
h=7 m=56
